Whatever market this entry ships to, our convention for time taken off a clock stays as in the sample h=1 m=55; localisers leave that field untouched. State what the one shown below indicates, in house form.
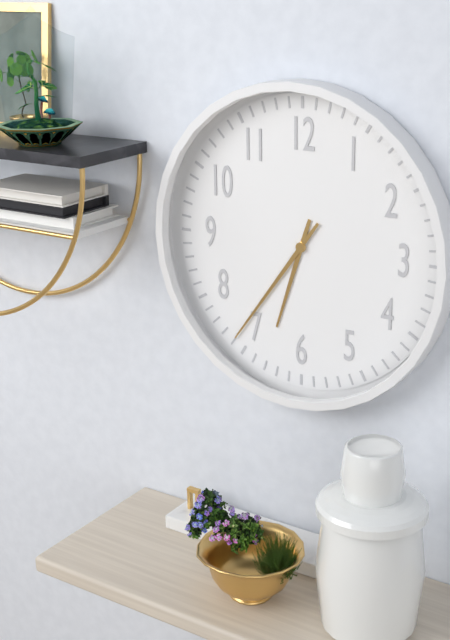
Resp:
h=6 m=36
